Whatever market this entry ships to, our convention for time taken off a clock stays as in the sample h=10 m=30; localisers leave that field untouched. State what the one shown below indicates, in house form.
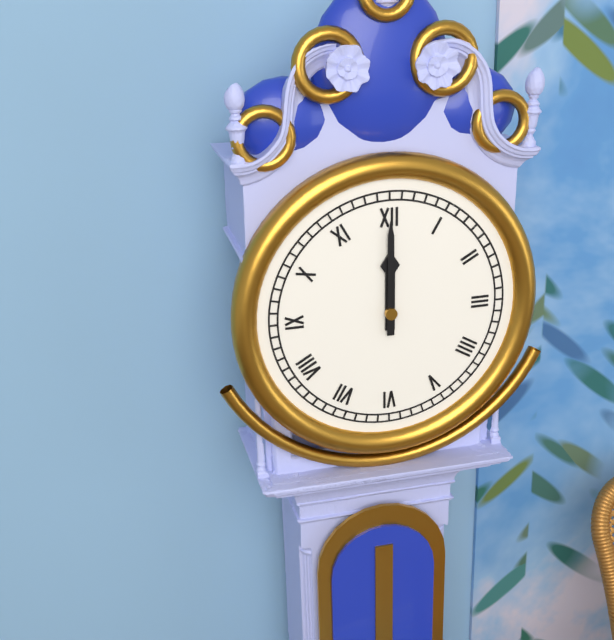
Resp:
h=12 m=0
